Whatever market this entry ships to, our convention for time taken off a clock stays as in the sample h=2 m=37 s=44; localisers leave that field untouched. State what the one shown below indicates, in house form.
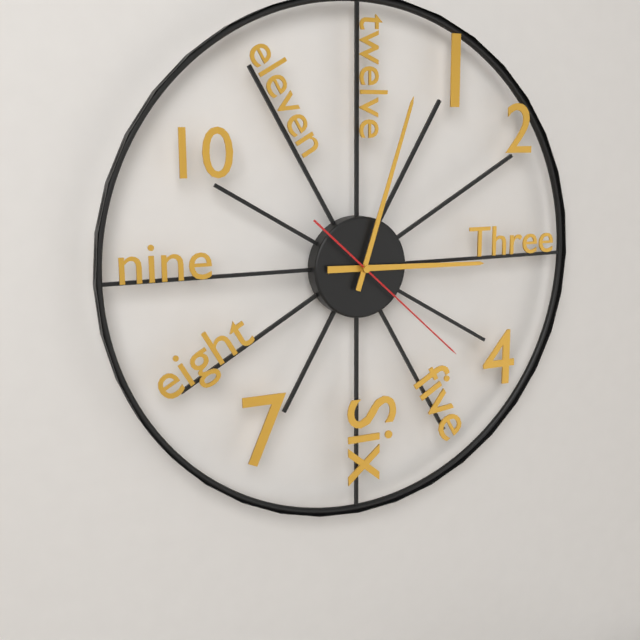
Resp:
h=3 m=3 s=22
